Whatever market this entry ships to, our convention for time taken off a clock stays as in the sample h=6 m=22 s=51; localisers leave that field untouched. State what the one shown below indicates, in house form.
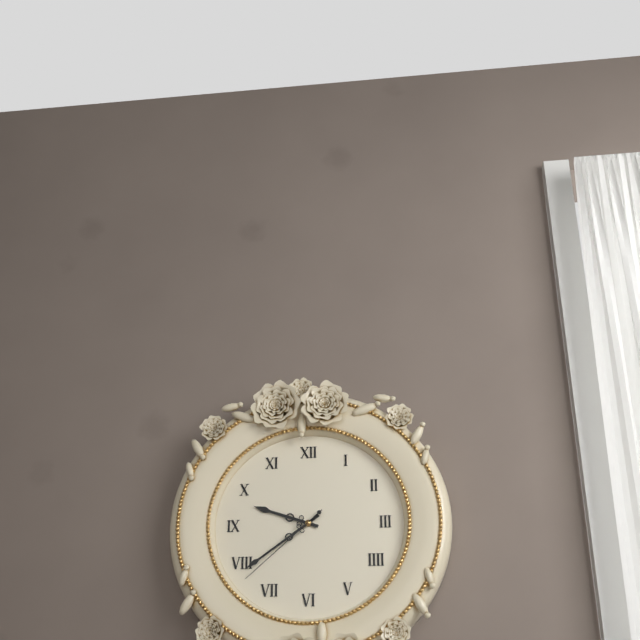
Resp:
h=9 m=39 s=38
